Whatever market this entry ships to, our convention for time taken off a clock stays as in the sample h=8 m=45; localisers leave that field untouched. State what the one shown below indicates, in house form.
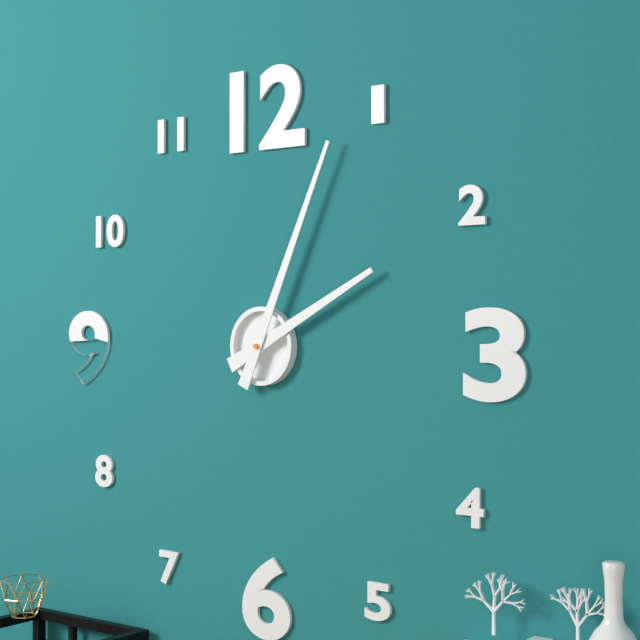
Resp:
h=2 m=4
